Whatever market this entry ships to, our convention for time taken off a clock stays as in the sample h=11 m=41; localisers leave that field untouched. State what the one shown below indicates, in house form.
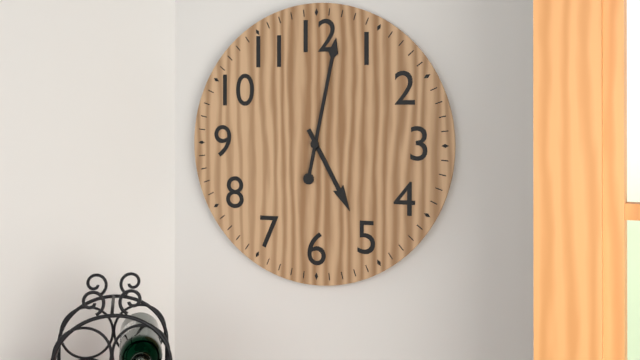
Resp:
h=5 m=2
